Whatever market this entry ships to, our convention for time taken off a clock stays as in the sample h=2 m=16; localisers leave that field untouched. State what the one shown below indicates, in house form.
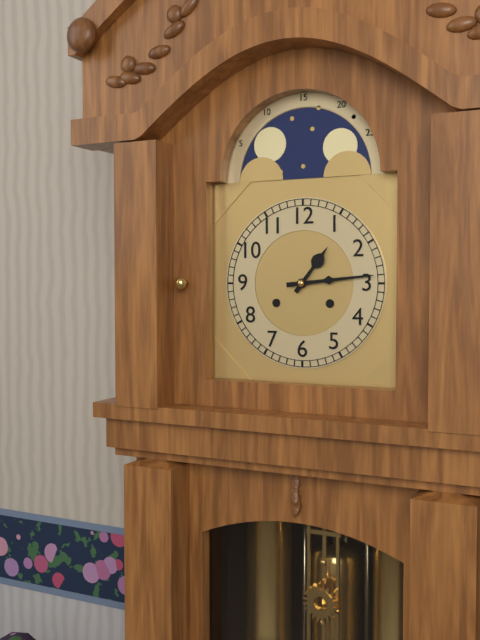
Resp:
h=1 m=14
